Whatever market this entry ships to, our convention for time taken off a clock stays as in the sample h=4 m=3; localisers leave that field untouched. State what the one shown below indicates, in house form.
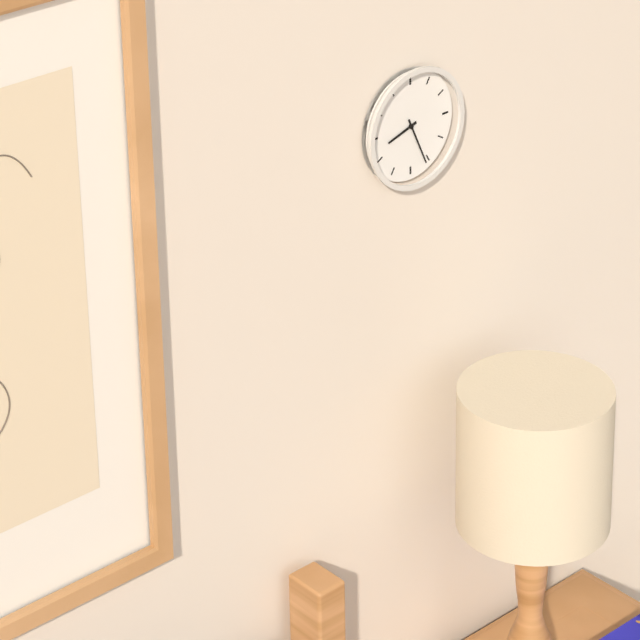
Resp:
h=8 m=26
